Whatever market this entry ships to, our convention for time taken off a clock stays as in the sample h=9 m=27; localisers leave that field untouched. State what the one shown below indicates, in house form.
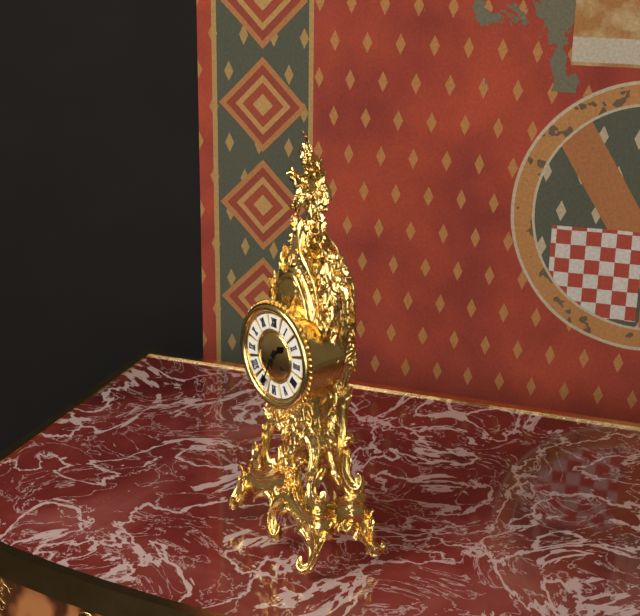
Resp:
h=1 m=34
